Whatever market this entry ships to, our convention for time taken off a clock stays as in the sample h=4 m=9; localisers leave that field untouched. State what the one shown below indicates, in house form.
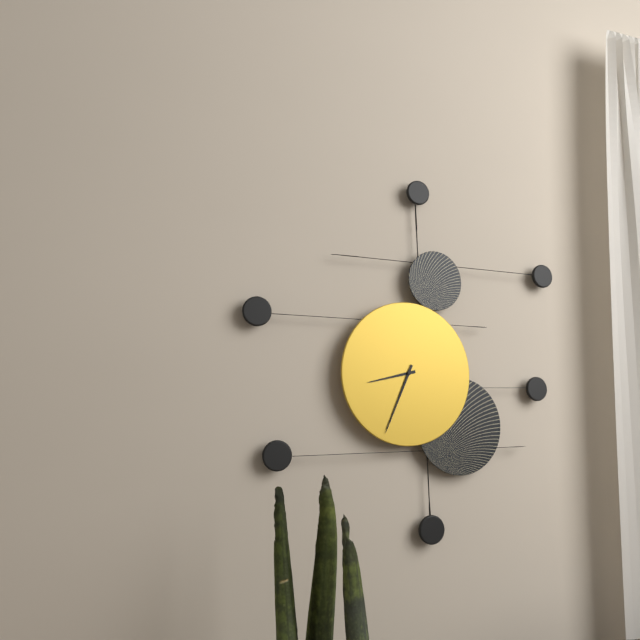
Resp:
h=8 m=34
